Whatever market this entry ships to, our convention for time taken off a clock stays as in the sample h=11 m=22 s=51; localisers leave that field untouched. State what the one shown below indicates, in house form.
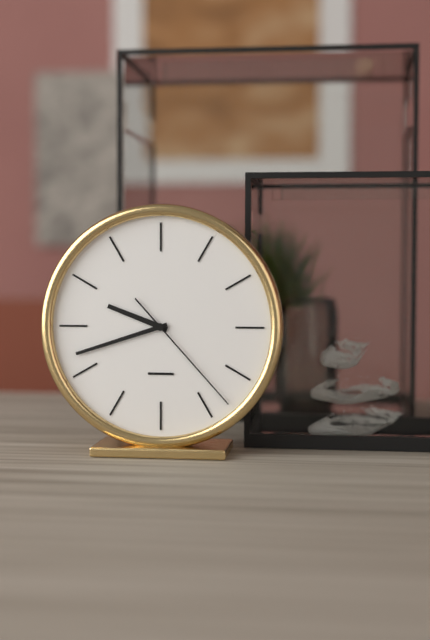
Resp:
h=9 m=42 s=23
